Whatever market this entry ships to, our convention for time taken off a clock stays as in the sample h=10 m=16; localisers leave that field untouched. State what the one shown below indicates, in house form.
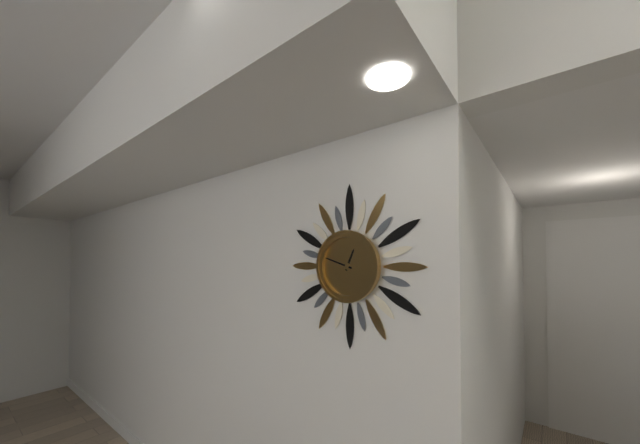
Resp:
h=12 m=48
